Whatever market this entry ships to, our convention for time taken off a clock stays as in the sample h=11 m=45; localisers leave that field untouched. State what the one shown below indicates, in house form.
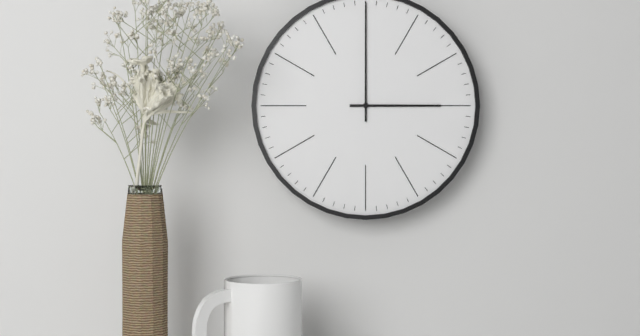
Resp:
h=3 m=0
